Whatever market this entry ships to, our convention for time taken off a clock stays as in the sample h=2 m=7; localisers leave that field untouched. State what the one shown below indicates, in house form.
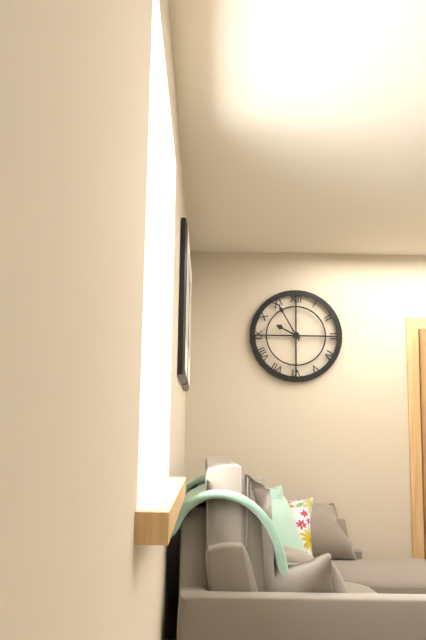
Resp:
h=9 m=55
